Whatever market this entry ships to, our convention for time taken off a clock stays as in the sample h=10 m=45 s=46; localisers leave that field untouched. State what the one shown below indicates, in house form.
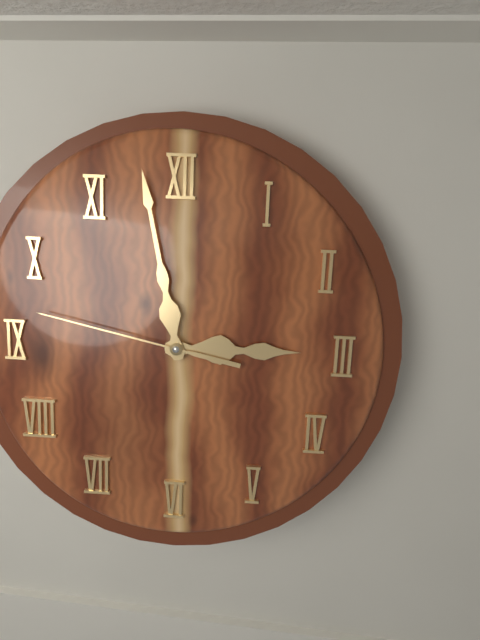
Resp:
h=2 m=58 s=47
